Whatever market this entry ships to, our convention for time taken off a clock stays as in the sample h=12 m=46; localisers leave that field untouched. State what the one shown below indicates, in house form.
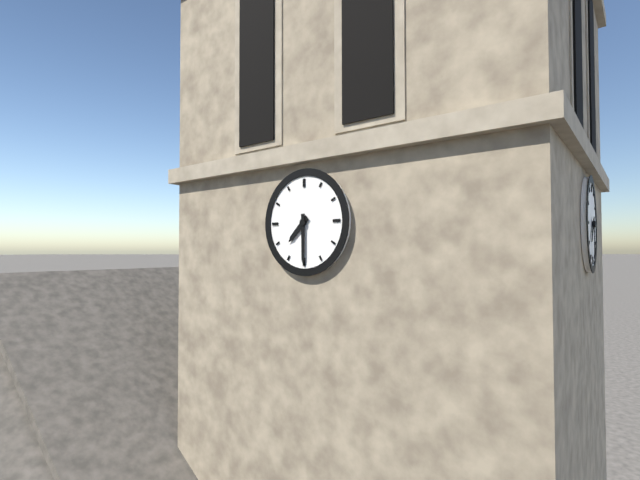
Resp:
h=7 m=30
